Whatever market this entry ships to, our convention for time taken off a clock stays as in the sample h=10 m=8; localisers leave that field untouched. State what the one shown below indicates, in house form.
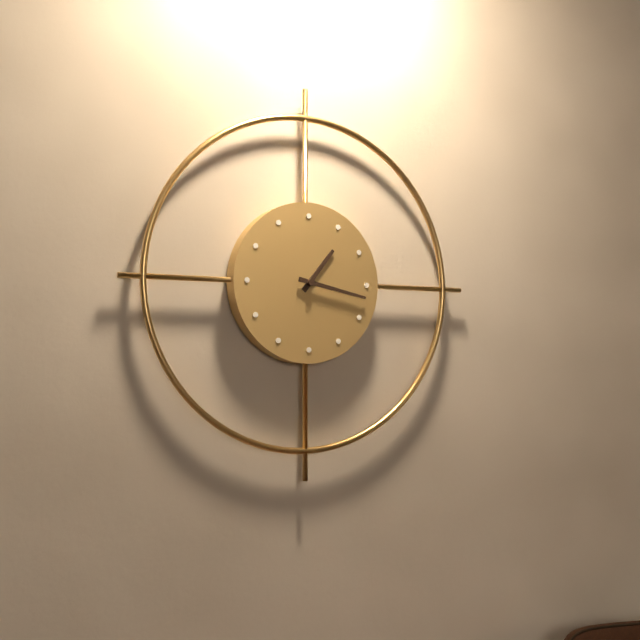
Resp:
h=1 m=17
